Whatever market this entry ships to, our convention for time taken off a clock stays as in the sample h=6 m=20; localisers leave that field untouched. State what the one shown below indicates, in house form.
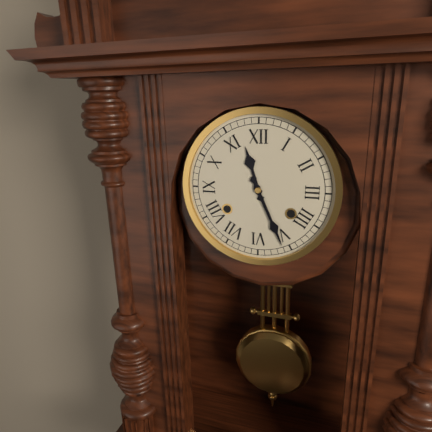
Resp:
h=11 m=26
